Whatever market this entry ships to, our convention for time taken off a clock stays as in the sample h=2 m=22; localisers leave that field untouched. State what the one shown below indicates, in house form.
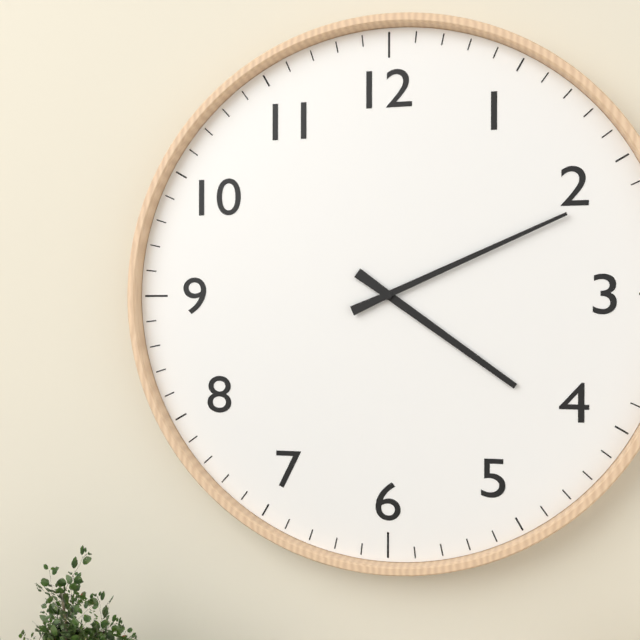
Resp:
h=4 m=11
